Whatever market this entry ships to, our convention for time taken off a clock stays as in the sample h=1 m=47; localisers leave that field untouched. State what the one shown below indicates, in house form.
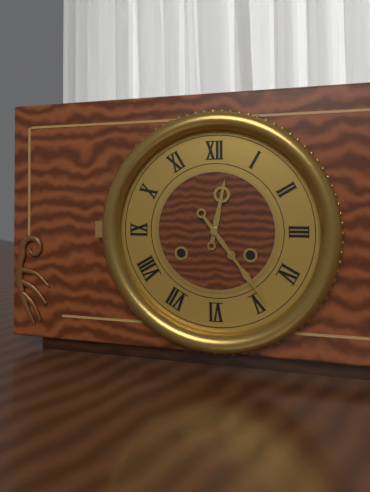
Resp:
h=12 m=24
